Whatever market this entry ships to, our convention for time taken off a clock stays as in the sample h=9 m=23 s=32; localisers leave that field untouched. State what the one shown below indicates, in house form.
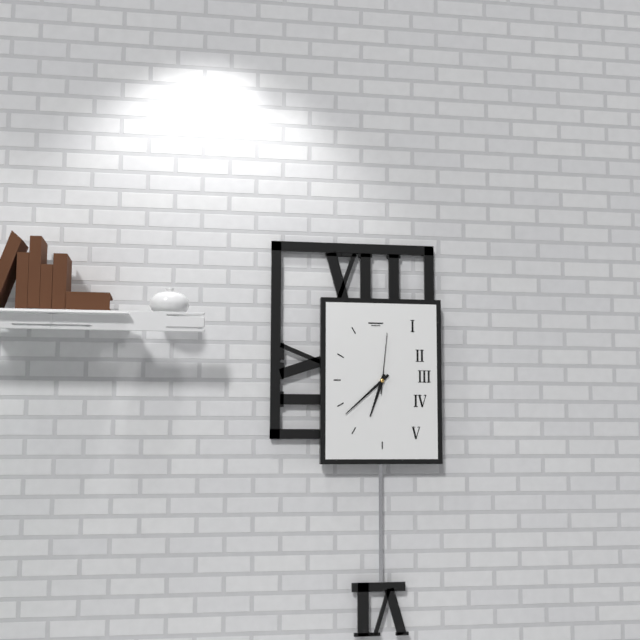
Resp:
h=6 m=38 s=1
